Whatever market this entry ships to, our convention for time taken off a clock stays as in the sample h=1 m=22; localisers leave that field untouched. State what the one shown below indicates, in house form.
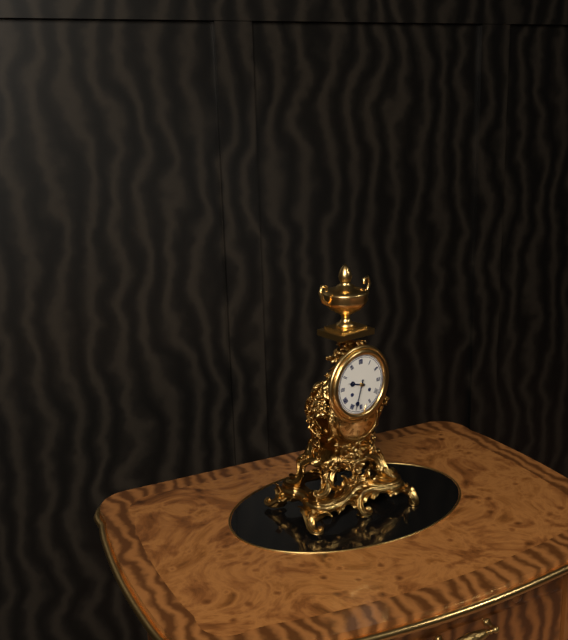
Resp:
h=9 m=33
